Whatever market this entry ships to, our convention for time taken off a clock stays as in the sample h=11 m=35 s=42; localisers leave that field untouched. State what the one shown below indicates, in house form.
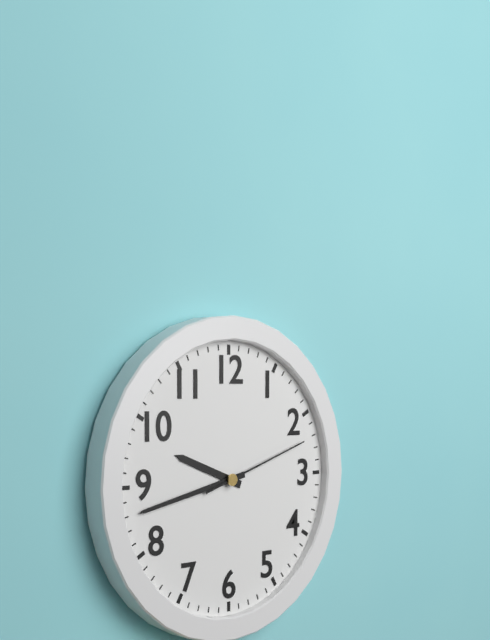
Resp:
h=9 m=43 s=12
